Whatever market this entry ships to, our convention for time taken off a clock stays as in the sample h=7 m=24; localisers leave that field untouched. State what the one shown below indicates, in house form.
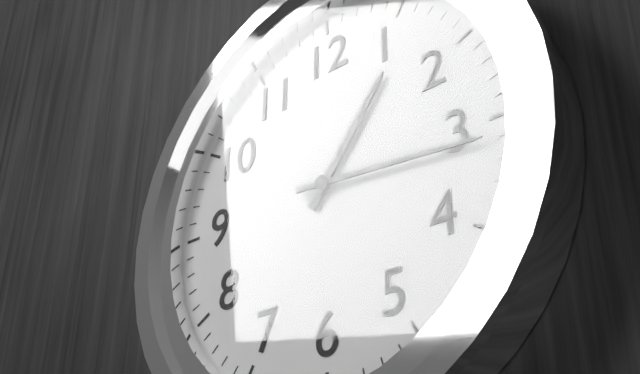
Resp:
h=1 m=16
